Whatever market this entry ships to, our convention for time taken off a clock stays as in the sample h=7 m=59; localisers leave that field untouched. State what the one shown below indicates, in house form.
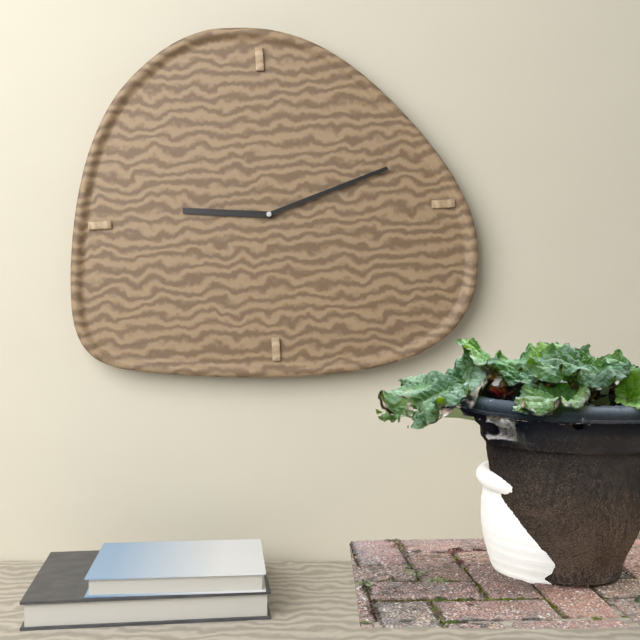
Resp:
h=9 m=12
